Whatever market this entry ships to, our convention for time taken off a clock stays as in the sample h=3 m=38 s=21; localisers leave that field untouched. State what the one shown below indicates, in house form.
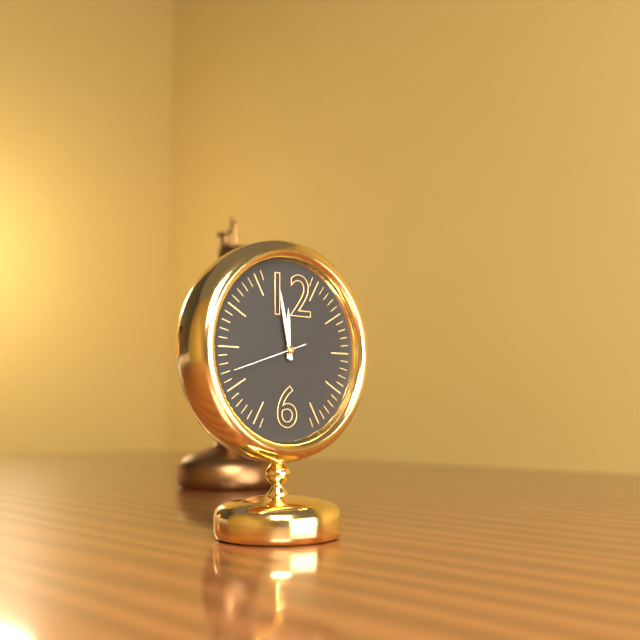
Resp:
h=11 m=58 s=42
